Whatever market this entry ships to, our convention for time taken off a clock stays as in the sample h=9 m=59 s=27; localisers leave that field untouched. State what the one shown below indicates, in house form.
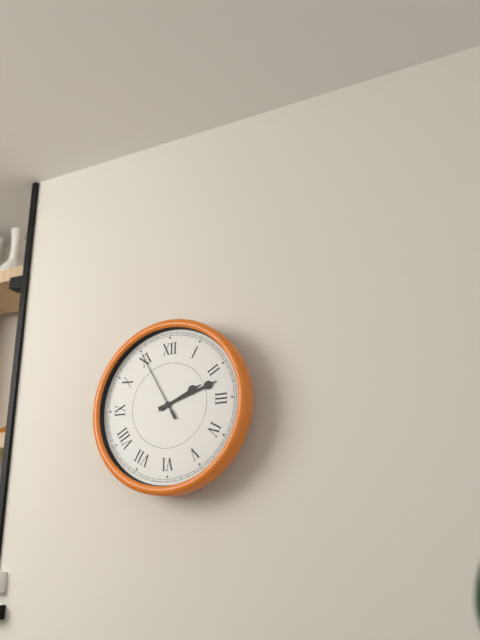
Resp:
h=2 m=12 s=55
